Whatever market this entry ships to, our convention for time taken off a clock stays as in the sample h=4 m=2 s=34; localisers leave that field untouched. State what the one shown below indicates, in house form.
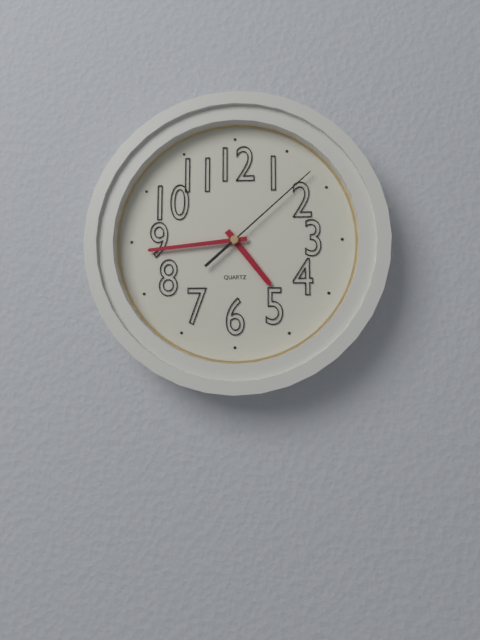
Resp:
h=4 m=44 s=8
